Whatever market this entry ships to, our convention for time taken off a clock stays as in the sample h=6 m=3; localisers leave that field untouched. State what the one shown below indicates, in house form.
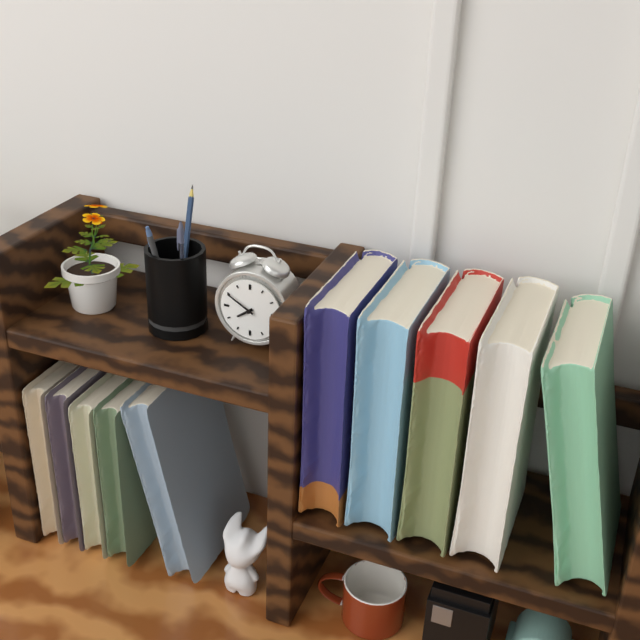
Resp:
h=7 m=50
